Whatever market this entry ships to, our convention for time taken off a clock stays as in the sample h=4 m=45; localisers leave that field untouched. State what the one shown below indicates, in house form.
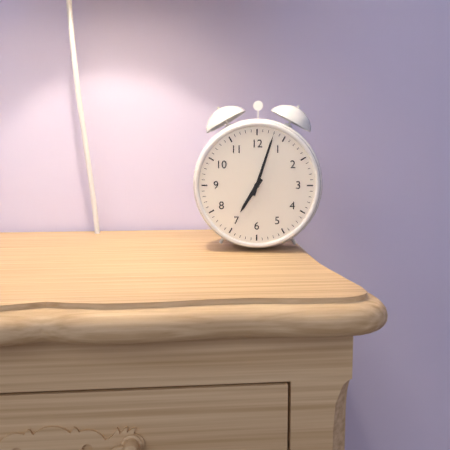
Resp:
h=7 m=3
